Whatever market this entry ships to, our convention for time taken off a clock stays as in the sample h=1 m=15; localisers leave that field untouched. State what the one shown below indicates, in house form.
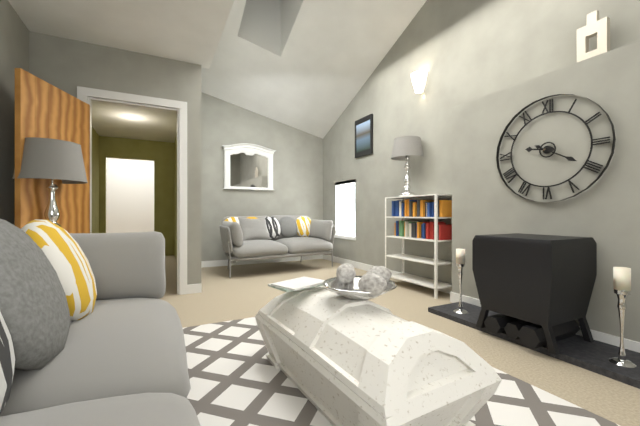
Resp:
h=9 m=20
